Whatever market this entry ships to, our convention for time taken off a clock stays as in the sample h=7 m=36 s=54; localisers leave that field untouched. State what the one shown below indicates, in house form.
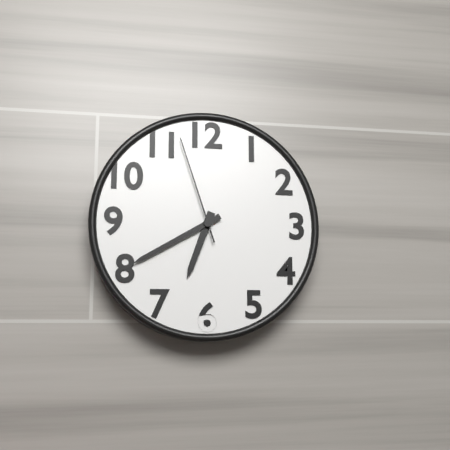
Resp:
h=6 m=40 s=57
